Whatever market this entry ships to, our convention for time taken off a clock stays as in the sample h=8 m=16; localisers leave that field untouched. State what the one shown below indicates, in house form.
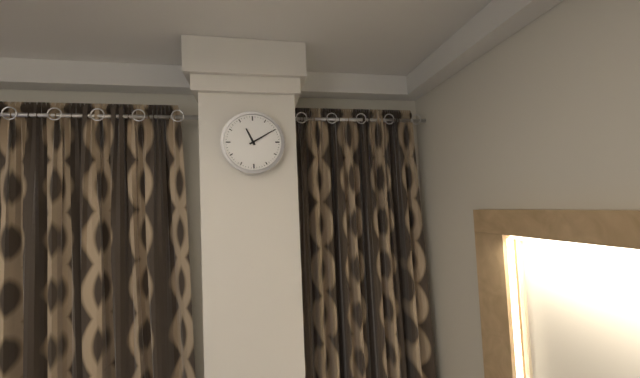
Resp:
h=11 m=10
